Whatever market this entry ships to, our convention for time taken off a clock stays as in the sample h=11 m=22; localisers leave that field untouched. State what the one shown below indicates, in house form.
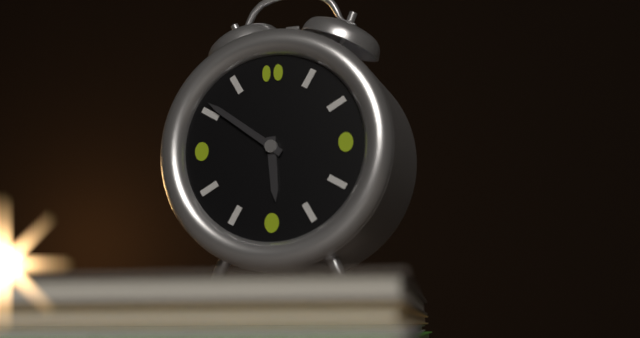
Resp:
h=5 m=51
